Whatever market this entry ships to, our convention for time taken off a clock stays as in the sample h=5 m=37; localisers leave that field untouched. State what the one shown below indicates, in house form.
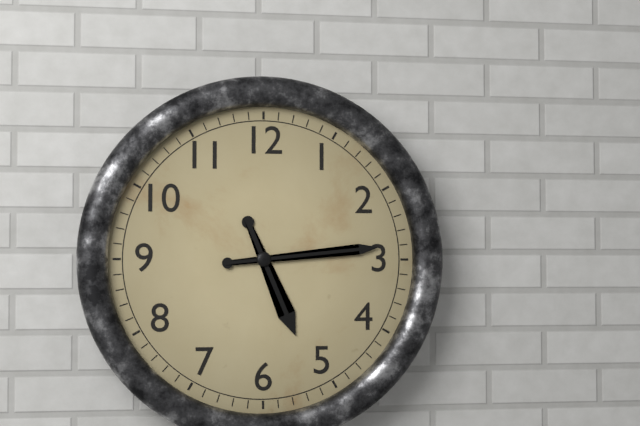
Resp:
h=5 m=14
